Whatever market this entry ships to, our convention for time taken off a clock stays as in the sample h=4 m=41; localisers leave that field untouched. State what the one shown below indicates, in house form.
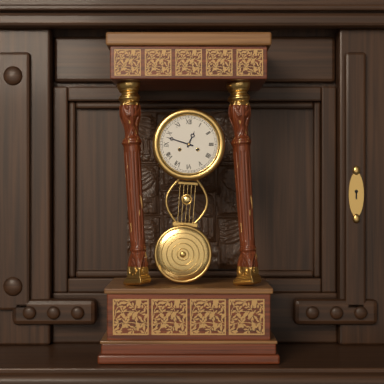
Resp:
h=12 m=48
